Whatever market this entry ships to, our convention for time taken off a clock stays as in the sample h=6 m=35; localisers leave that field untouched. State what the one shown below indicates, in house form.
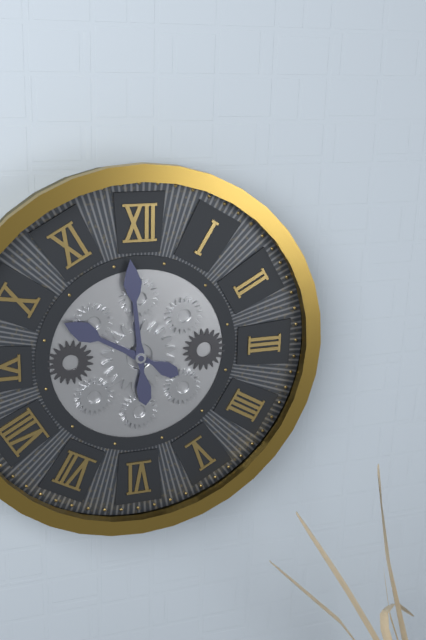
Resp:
h=9 m=59
